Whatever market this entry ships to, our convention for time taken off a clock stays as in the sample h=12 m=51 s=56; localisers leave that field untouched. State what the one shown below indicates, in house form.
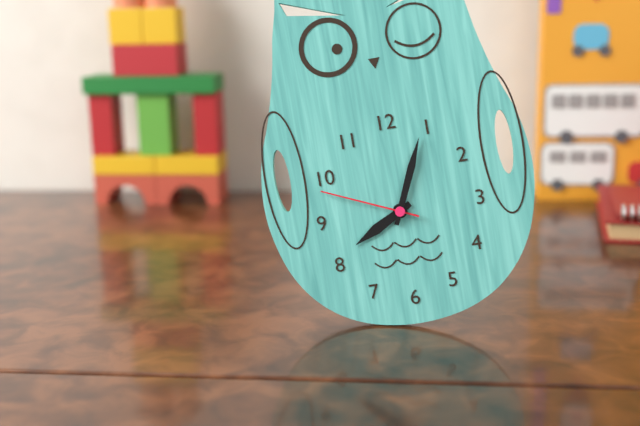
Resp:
h=8 m=4 s=49
